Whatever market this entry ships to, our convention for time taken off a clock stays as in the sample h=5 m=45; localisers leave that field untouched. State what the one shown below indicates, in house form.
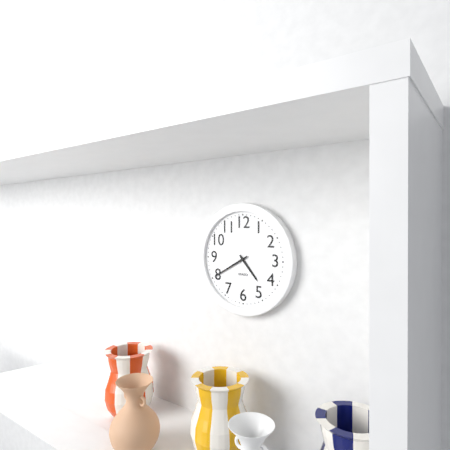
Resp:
h=4 m=40
